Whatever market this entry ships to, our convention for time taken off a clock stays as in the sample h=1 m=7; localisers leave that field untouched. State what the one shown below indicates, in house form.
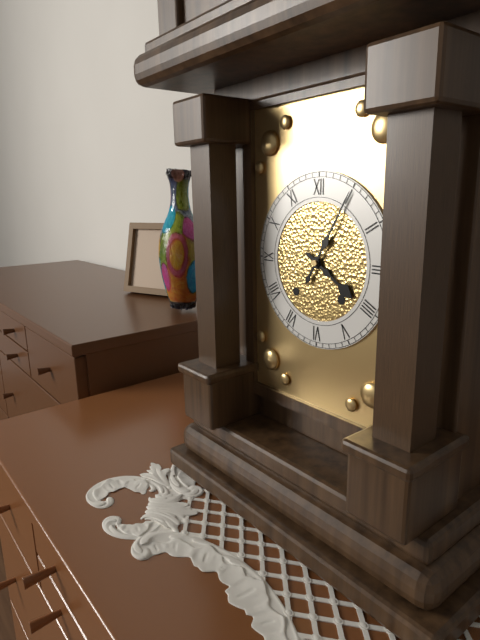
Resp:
h=4 m=5
